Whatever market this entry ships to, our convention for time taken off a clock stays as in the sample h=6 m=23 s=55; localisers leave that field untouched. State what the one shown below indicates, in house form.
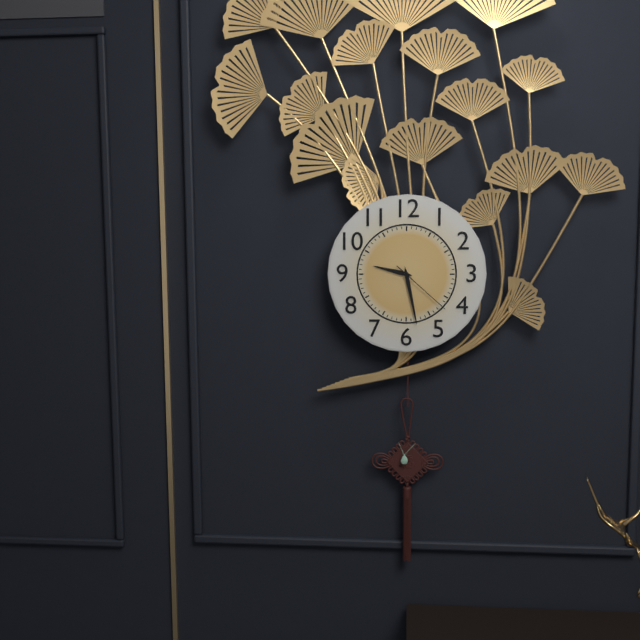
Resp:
h=9 m=28 s=22
